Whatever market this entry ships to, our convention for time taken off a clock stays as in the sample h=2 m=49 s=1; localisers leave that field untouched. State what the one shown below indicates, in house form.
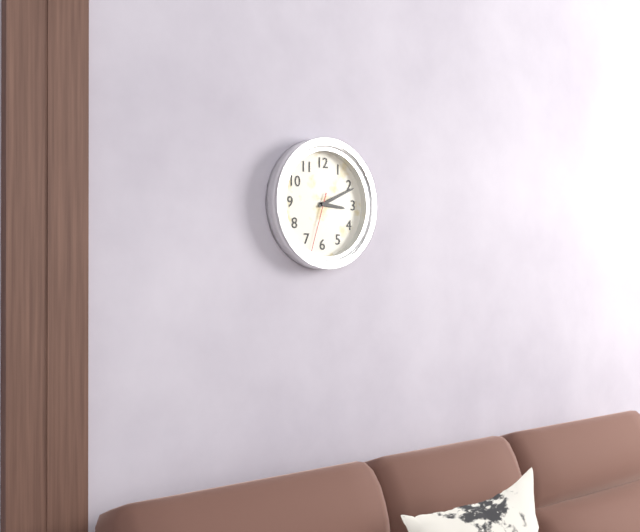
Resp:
h=3 m=11 s=33
